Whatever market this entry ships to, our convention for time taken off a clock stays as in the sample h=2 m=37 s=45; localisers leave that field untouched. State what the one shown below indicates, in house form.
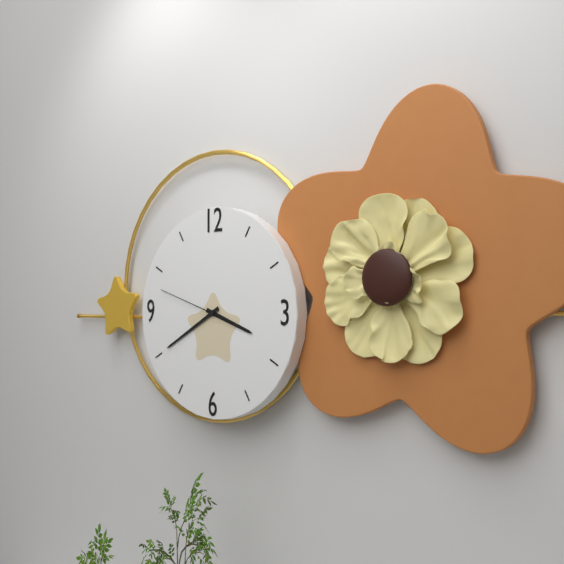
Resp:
h=3 m=40 s=48
